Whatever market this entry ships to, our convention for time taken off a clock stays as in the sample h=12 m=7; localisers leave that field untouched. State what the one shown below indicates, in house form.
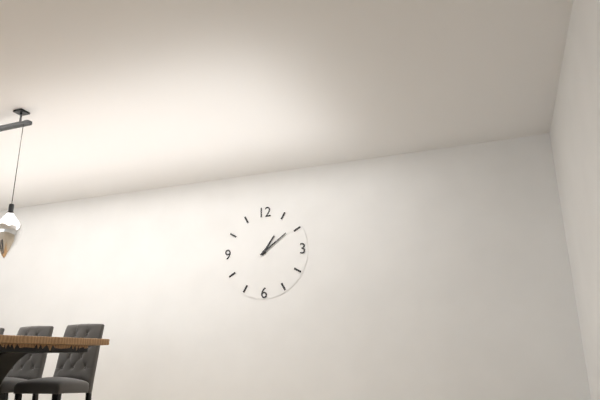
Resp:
h=1 m=9
